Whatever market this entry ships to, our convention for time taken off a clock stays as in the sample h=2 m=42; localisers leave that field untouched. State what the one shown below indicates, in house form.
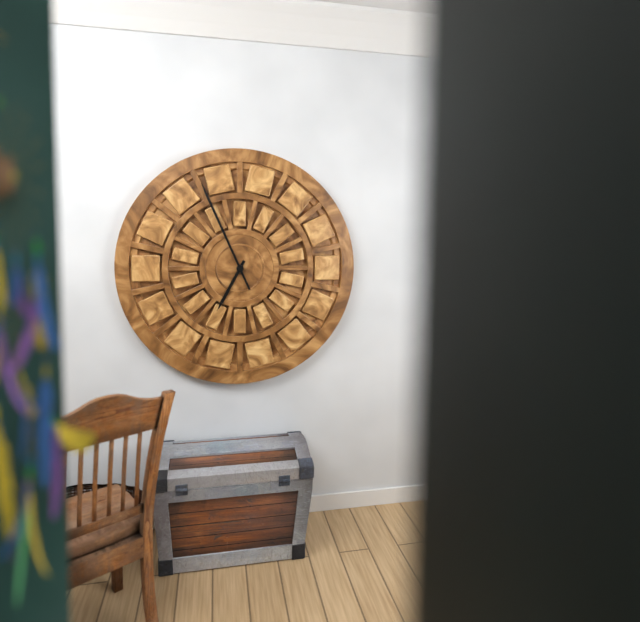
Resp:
h=6 m=56
